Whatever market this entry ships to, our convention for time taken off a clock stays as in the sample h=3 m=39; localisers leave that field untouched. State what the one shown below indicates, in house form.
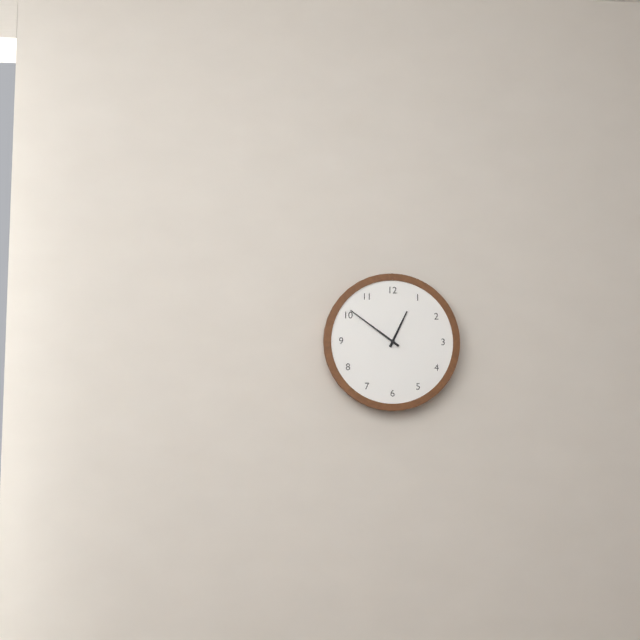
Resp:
h=12 m=51
